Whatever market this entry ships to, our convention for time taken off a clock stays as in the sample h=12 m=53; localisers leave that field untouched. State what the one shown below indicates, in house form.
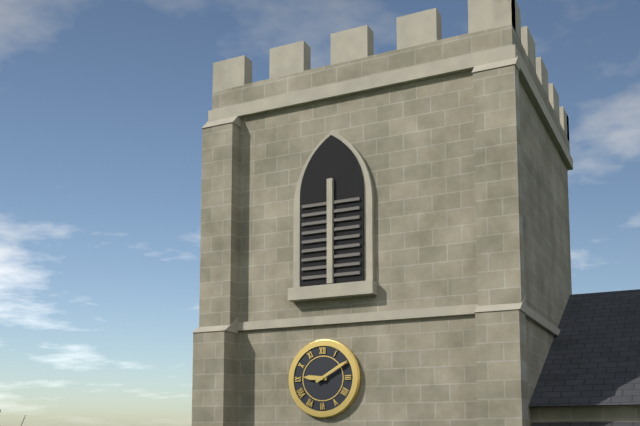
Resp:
h=9 m=10
